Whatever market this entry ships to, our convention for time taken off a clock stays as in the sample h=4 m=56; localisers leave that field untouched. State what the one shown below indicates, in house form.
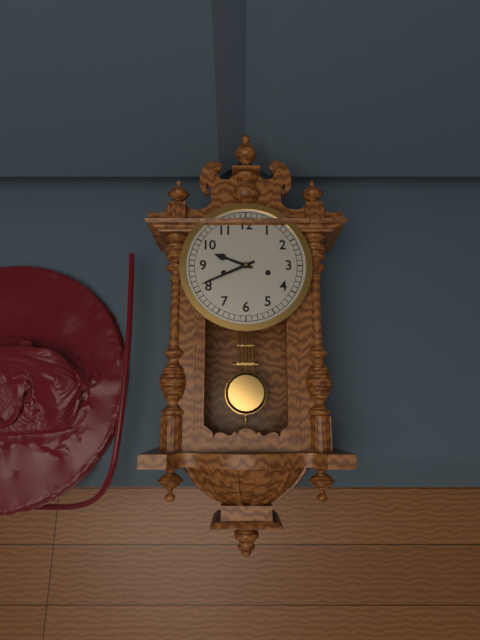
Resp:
h=9 m=41
